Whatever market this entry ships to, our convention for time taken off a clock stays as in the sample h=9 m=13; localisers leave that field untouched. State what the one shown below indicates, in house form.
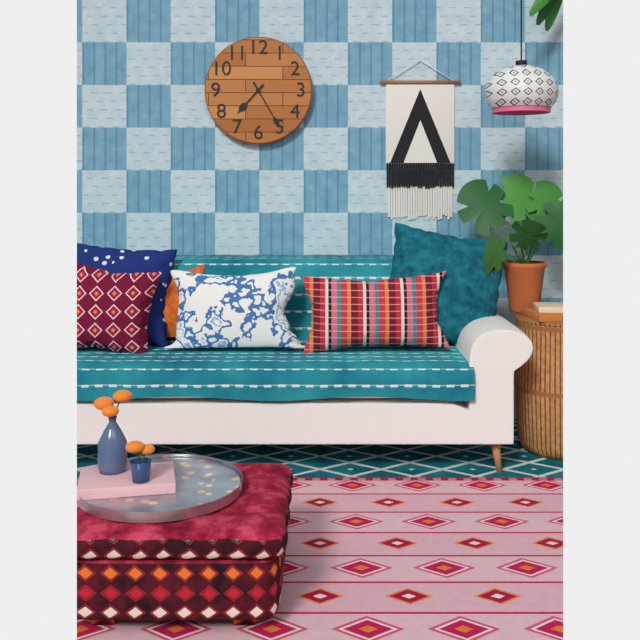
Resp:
h=7 m=25
